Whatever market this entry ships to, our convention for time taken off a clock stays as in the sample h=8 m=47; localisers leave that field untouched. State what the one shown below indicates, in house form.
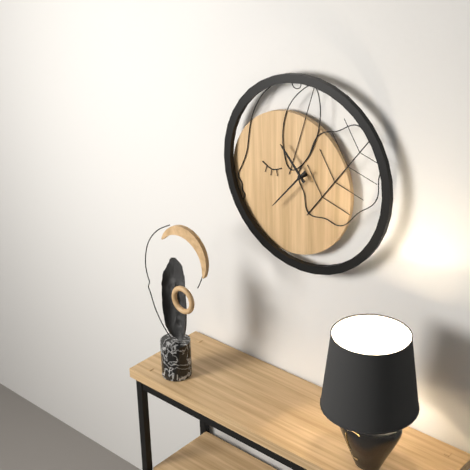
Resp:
h=10 m=37
